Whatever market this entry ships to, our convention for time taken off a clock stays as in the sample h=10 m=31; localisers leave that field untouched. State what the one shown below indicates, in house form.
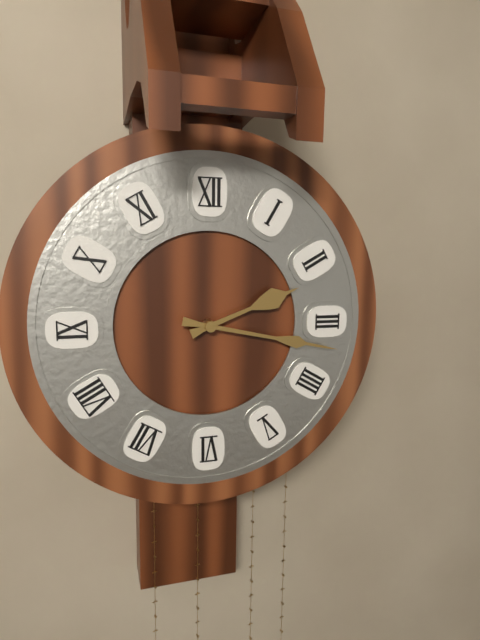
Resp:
h=2 m=17
